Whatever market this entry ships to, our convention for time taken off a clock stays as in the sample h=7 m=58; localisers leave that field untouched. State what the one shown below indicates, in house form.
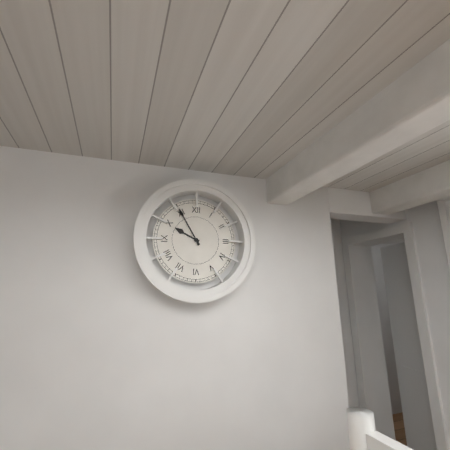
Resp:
h=9 m=55
